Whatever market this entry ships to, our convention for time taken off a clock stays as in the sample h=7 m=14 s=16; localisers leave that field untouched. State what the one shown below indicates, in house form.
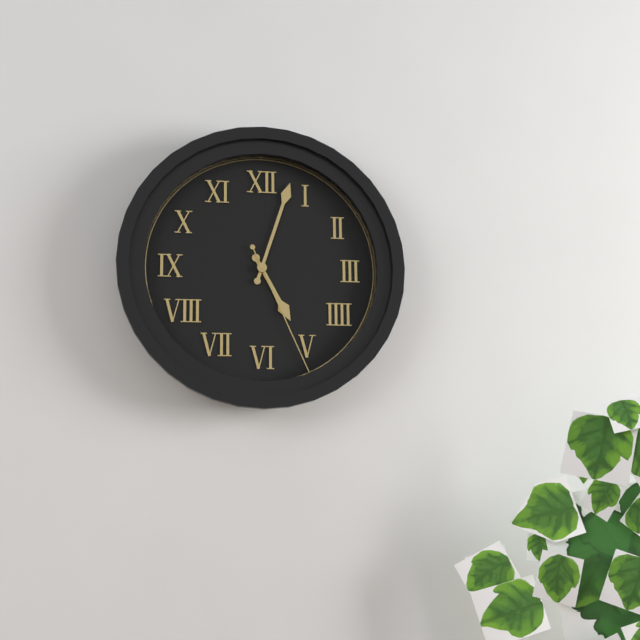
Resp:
h=5 m=3 s=26
